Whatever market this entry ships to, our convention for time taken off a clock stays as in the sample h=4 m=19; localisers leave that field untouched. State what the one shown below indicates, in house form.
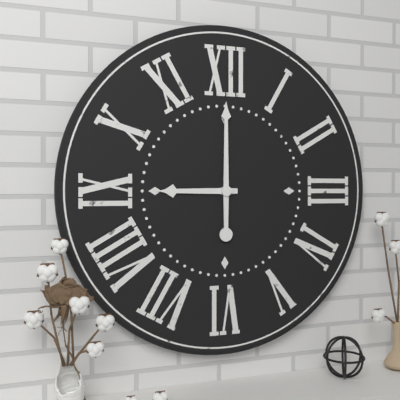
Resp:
h=9 m=0
